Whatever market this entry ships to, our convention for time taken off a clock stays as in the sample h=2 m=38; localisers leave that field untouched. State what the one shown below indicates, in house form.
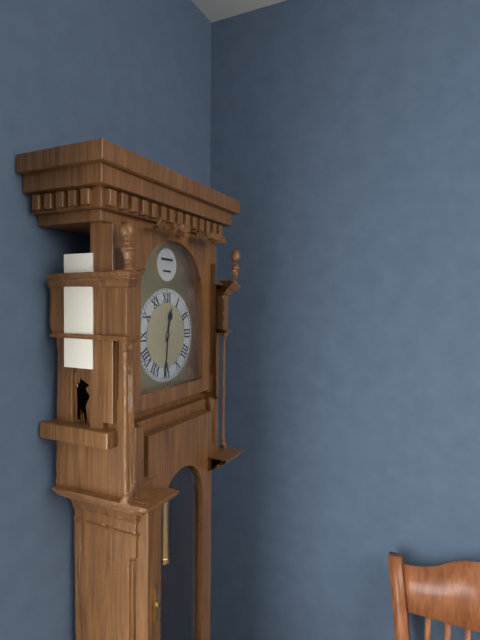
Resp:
h=12 m=31
